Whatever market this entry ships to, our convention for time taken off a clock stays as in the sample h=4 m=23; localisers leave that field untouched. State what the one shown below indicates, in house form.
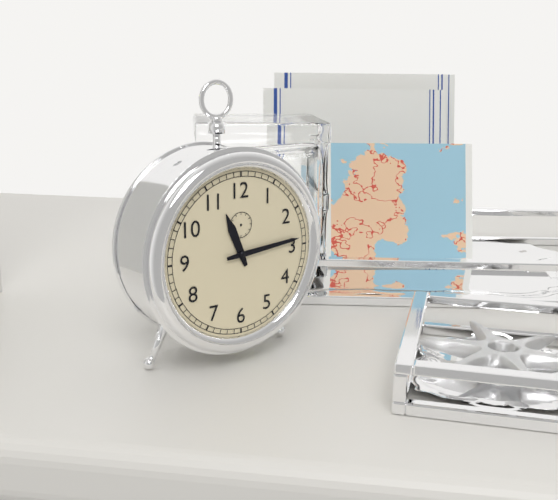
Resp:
h=11 m=14
